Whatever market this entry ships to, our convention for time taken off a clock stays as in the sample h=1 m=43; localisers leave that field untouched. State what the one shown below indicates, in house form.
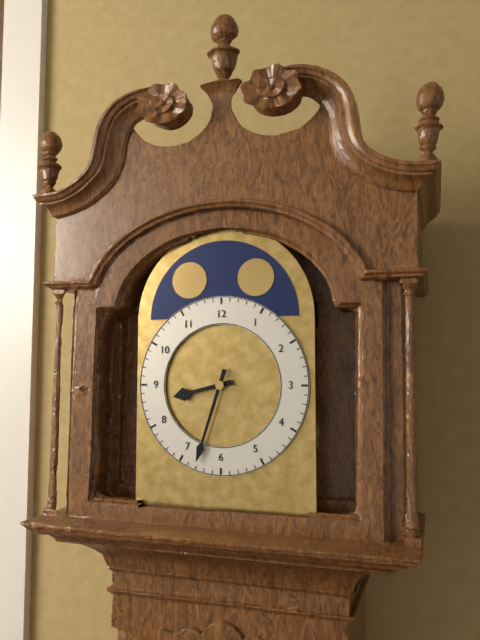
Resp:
h=8 m=33
